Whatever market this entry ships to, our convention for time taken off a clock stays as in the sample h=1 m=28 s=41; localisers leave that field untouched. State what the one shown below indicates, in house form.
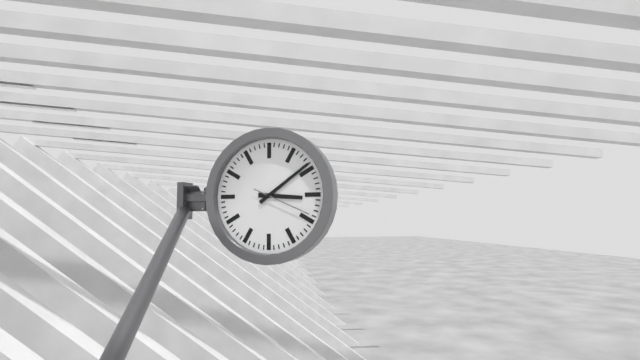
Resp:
h=3 m=9 s=19
